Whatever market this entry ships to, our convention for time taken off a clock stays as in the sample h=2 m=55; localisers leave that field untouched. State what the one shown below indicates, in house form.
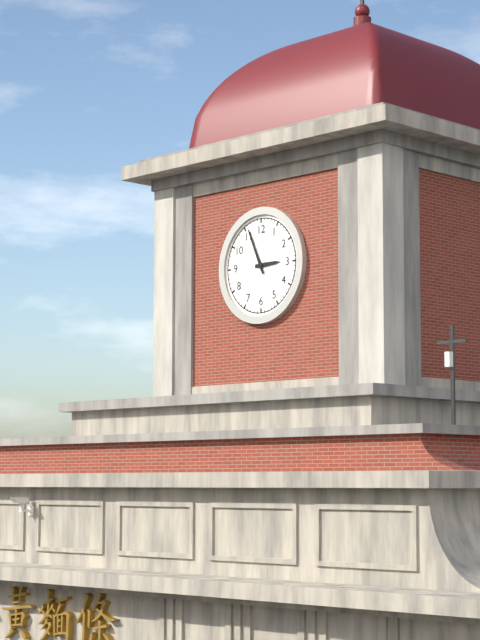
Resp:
h=2 m=56
